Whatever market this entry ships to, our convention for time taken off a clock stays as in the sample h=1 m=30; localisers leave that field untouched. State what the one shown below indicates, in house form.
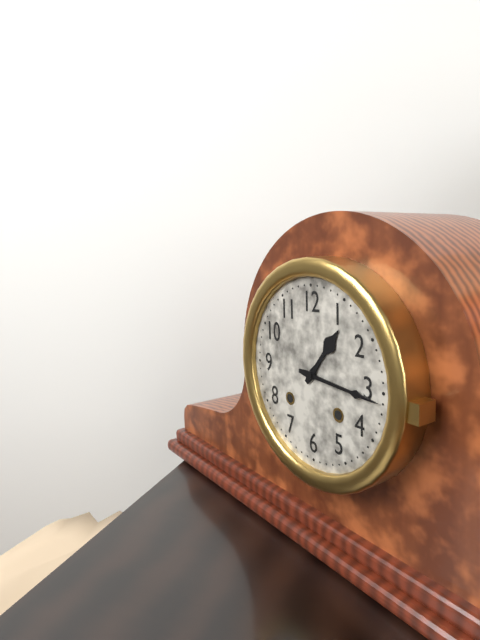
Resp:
h=1 m=16
